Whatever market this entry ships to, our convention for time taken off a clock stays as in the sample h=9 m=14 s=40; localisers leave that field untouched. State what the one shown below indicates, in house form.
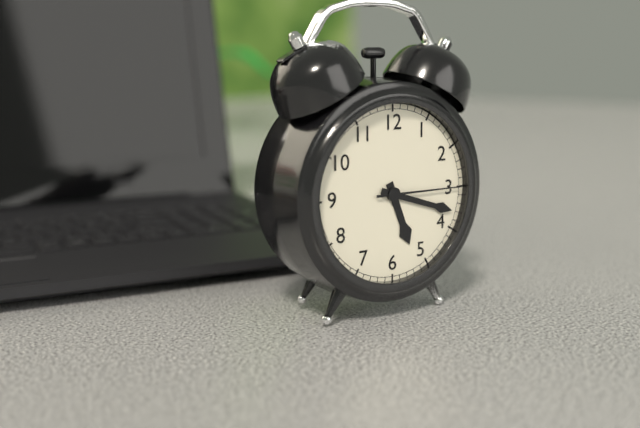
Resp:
h=5 m=18 s=15
